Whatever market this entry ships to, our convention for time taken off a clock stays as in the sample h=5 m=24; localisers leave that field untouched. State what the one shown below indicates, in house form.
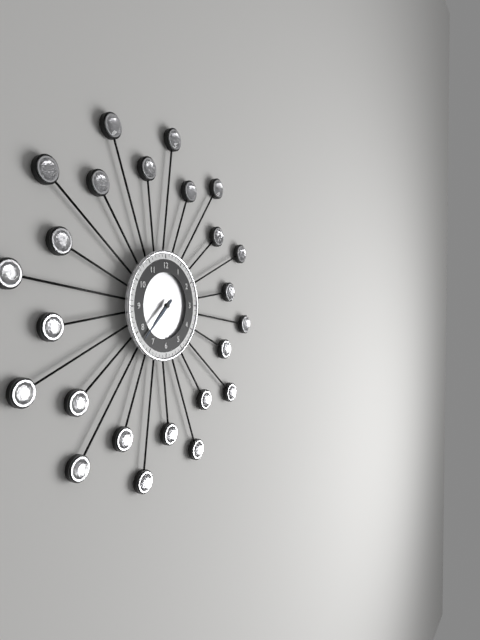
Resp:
h=7 m=38
